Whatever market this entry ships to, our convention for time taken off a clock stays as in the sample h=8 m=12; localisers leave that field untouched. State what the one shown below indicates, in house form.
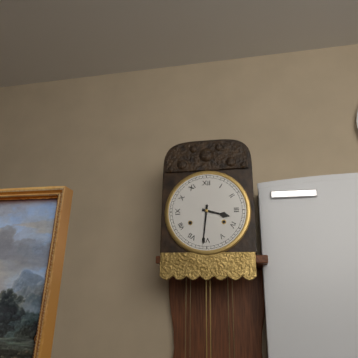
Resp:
h=3 m=31
